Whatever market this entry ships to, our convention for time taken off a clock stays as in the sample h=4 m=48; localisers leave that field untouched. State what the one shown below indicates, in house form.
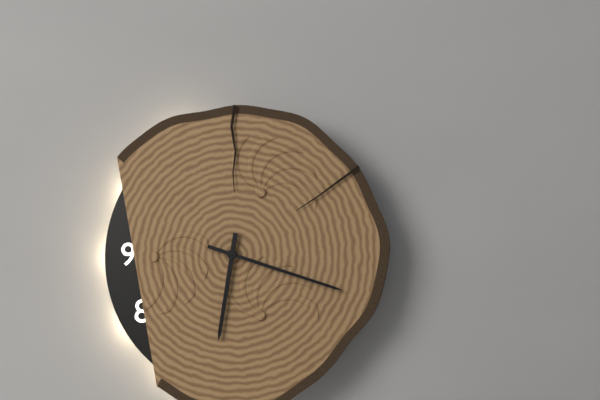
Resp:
h=6 m=18
